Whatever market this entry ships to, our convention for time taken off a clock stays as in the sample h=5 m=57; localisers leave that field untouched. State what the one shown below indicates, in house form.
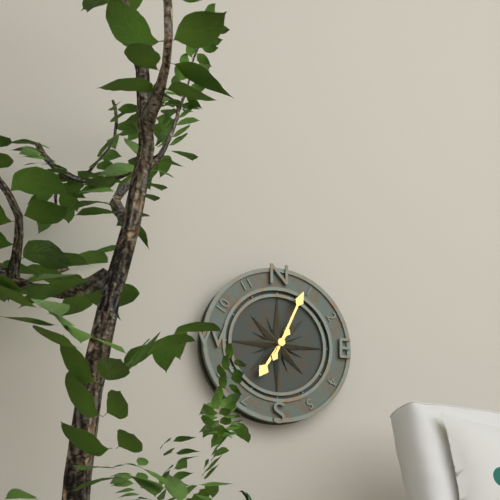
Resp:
h=7 m=4
